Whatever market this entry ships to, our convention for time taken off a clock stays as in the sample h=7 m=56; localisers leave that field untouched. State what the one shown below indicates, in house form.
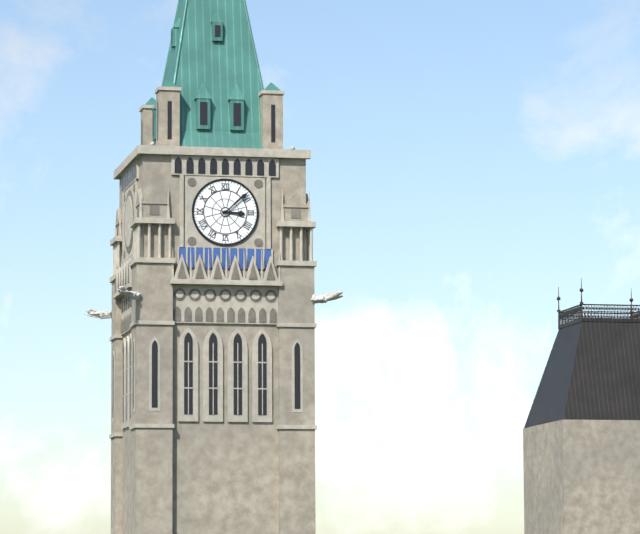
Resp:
h=3 m=8
